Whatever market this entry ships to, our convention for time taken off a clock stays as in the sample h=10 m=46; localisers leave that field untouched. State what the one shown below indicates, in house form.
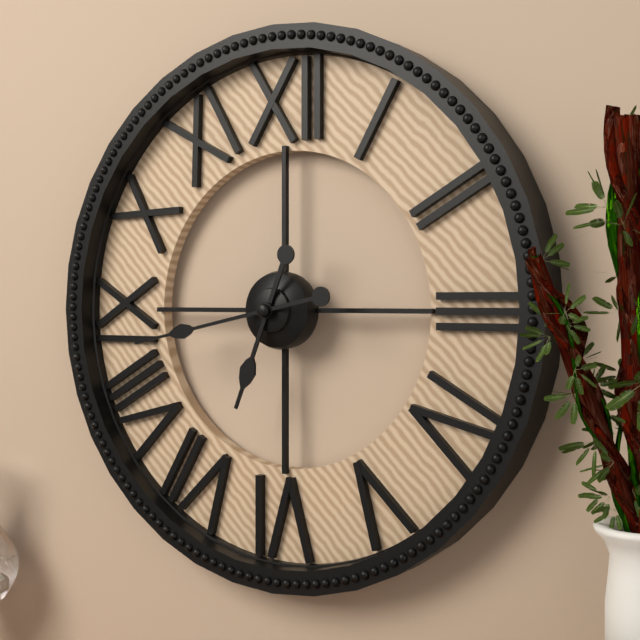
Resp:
h=6 m=43
